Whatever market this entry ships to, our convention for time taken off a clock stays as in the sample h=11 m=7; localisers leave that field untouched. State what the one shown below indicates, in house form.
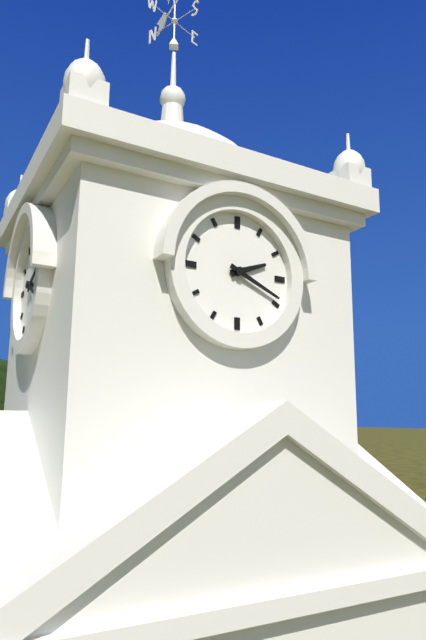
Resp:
h=2 m=19
